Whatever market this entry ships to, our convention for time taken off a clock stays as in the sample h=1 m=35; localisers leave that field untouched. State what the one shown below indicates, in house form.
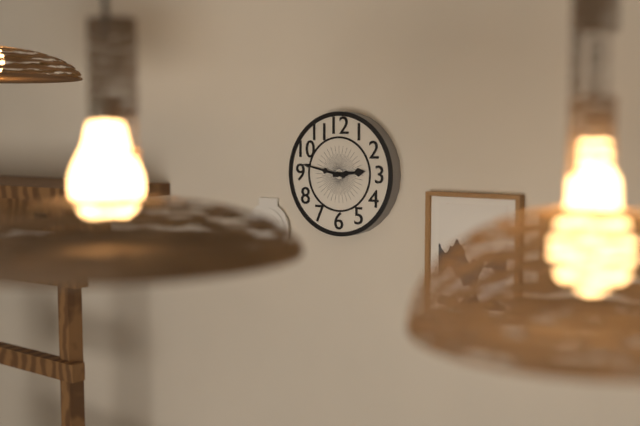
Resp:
h=2 m=47
